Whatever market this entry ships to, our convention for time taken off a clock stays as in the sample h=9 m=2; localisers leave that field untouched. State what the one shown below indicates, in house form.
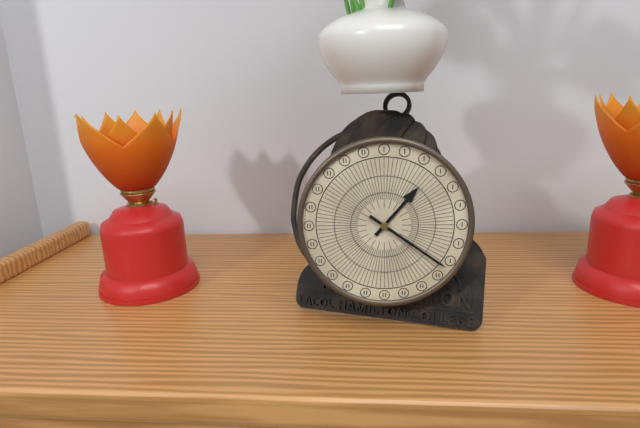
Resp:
h=1 m=21
